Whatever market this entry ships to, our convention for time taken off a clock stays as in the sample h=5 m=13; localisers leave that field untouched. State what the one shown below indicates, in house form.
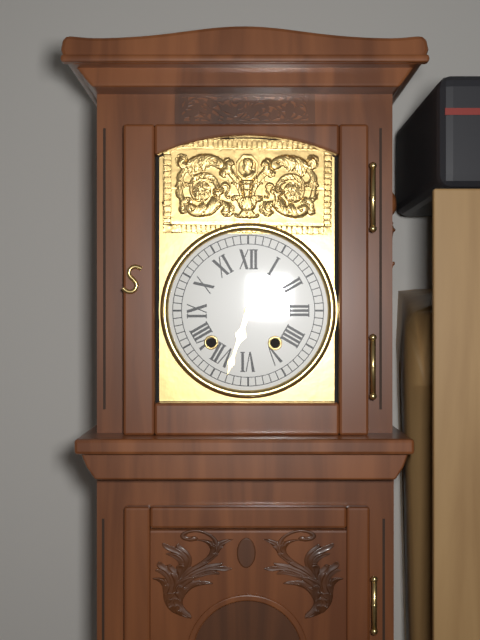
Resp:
h=6 m=33
